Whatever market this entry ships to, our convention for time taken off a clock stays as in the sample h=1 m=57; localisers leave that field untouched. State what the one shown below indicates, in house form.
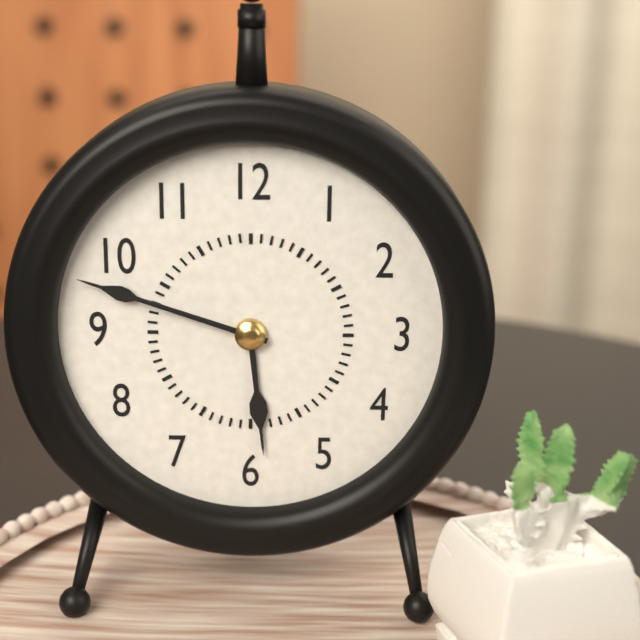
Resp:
h=5 m=48
